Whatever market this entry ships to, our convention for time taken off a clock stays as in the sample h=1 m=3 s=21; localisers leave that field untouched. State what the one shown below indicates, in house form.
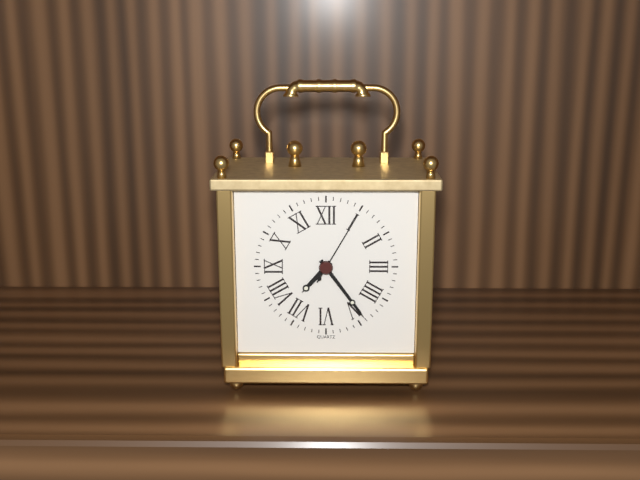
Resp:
h=7 m=24 s=5
